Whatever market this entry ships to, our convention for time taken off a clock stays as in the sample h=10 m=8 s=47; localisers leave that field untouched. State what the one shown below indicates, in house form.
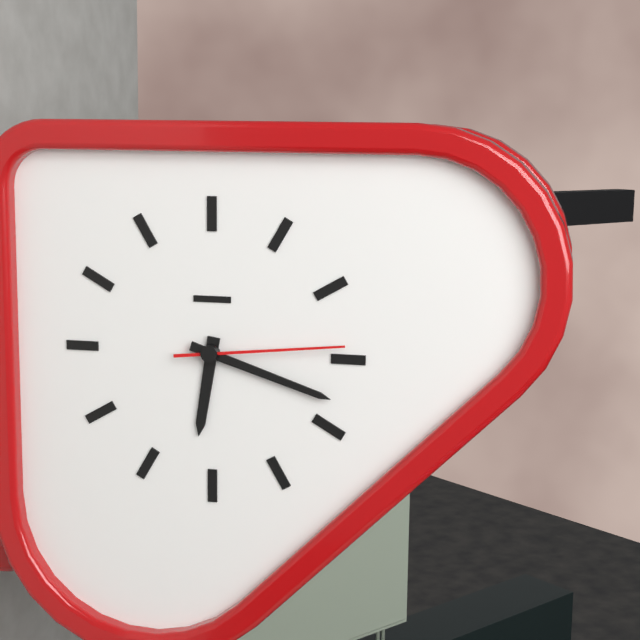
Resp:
h=6 m=18 s=14
